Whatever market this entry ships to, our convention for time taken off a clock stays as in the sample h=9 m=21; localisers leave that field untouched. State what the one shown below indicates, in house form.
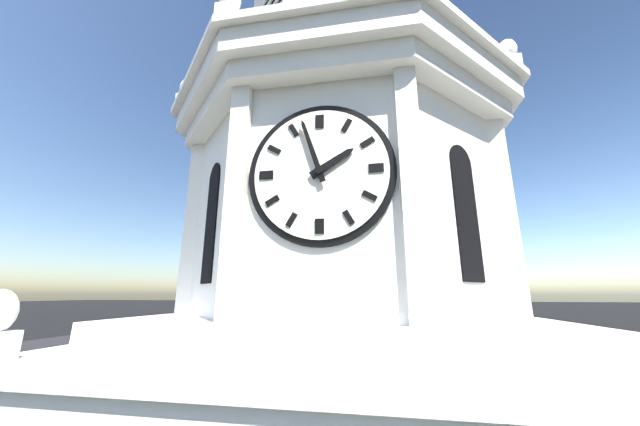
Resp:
h=1 m=57
